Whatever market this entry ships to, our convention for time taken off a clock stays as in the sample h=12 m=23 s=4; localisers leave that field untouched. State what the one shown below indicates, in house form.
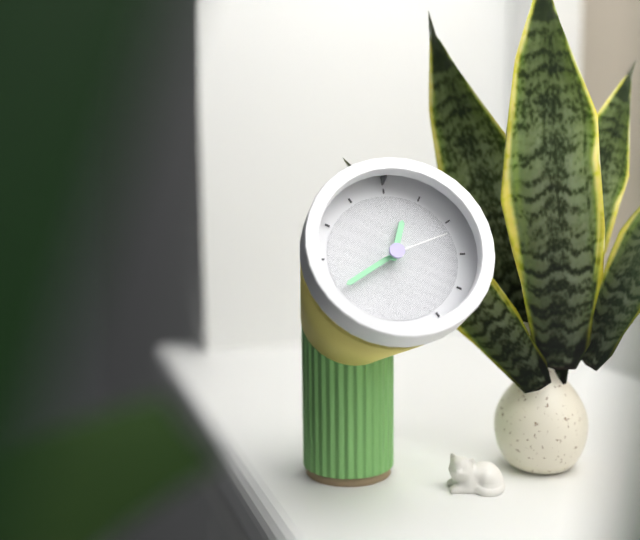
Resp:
h=12 m=40 s=12
